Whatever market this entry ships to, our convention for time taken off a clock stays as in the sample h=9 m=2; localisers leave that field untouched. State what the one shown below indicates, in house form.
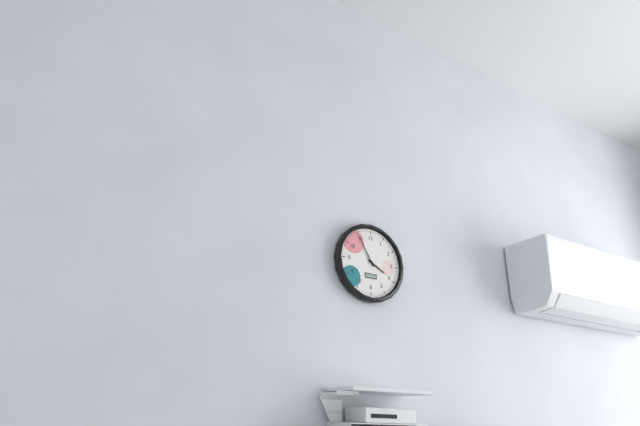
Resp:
h=3 m=55
